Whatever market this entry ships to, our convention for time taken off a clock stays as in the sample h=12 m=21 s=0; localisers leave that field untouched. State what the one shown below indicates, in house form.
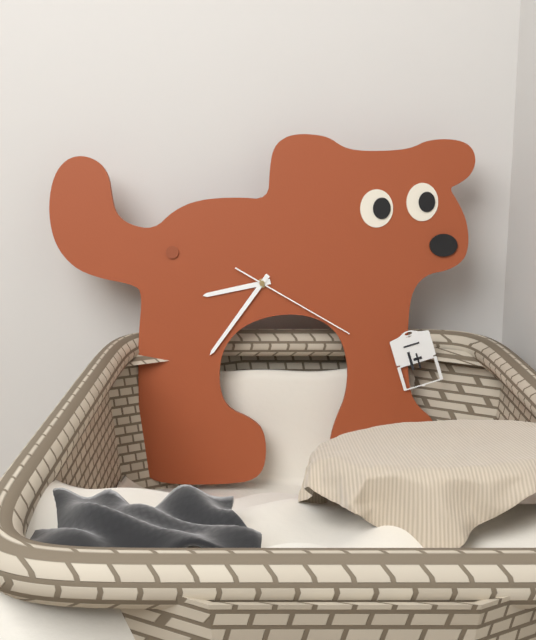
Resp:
h=8 m=36 s=20
